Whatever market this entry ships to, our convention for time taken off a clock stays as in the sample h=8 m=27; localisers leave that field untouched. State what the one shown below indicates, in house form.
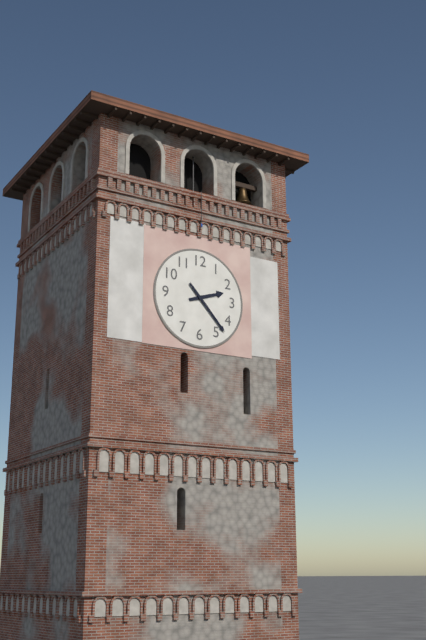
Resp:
h=2 m=23
